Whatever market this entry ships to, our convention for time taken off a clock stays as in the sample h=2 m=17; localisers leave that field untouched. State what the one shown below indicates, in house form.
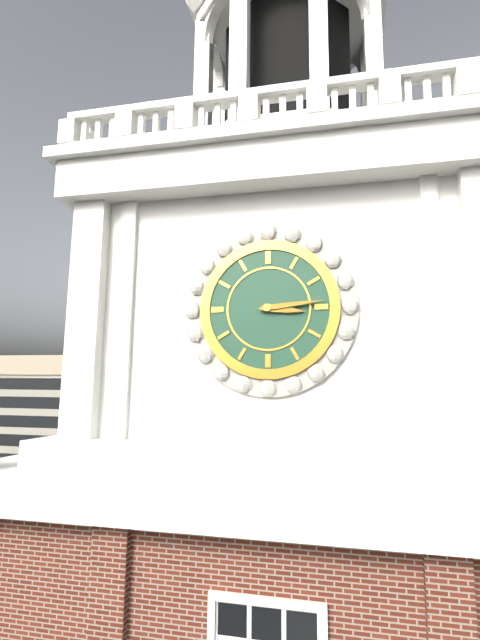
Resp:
h=3 m=14
